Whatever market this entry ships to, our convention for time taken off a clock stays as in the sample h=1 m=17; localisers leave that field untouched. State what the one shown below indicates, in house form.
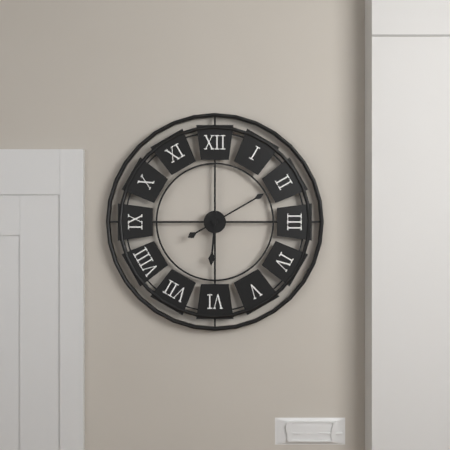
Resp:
h=6 m=10
